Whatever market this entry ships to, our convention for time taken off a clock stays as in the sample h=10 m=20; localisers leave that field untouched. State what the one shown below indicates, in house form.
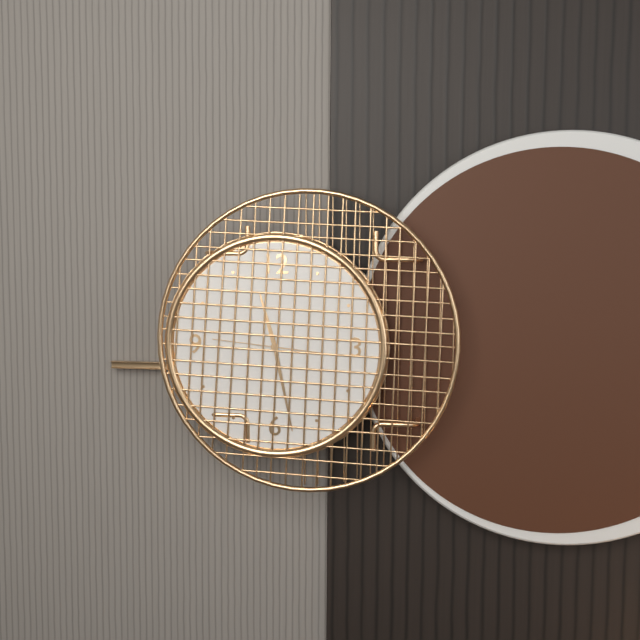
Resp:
h=11 m=28
